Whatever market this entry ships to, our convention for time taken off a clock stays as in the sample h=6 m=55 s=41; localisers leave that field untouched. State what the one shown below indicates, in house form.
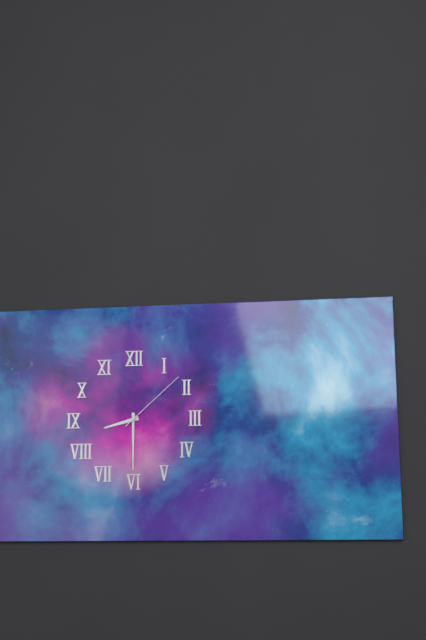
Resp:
h=8 m=30 s=8
